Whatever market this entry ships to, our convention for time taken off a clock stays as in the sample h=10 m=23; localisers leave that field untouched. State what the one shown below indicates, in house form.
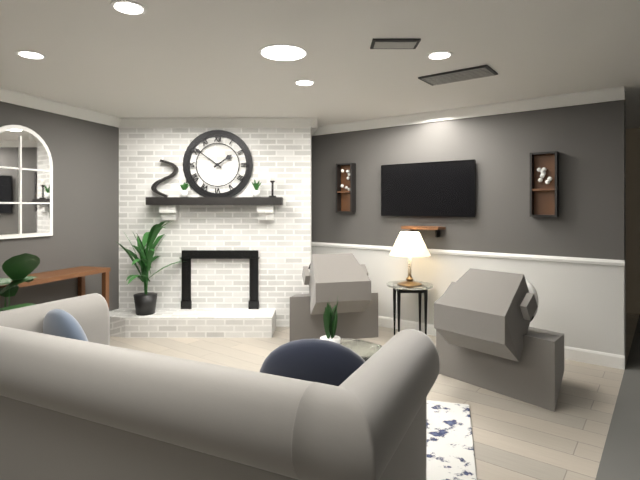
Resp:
h=1 m=51
